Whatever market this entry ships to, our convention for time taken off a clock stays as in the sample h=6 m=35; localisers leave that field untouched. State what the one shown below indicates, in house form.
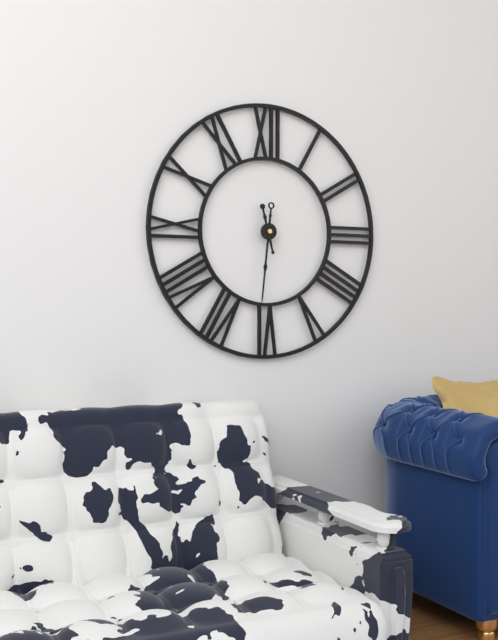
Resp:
h=11 m=31
